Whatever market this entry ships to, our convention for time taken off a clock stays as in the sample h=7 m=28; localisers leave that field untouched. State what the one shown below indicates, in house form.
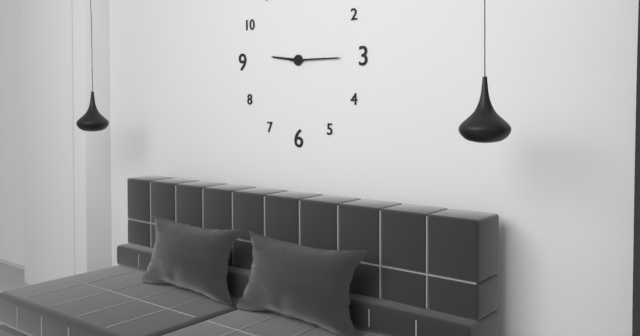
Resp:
h=9 m=15
